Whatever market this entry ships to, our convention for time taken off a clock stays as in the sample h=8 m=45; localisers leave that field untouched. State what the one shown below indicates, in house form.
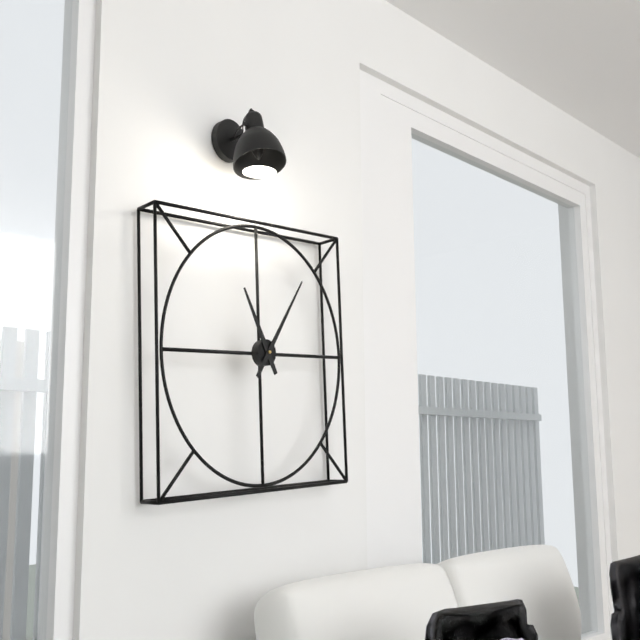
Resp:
h=11 m=6
